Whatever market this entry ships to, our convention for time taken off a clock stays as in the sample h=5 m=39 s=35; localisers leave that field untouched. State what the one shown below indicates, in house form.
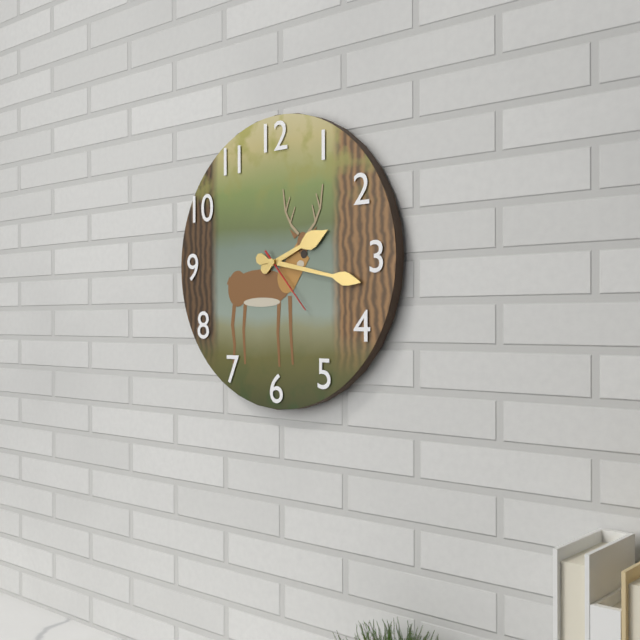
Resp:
h=2 m=17 s=23
